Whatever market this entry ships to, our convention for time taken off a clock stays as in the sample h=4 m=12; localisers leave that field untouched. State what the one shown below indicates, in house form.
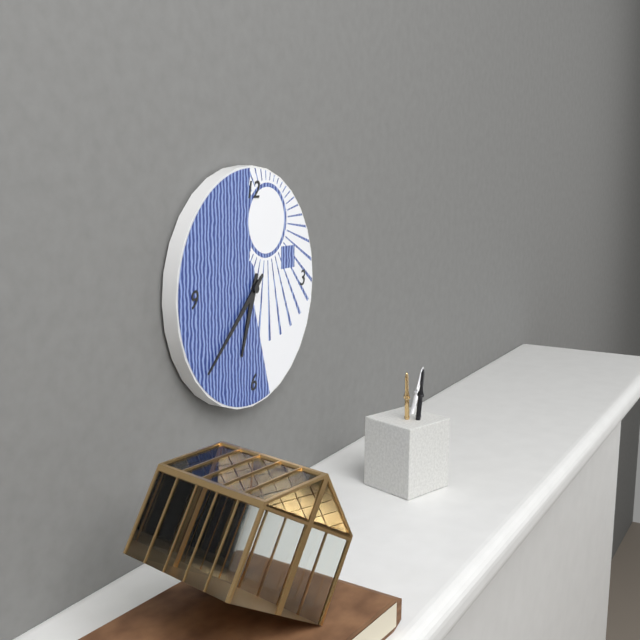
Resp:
h=6 m=38
